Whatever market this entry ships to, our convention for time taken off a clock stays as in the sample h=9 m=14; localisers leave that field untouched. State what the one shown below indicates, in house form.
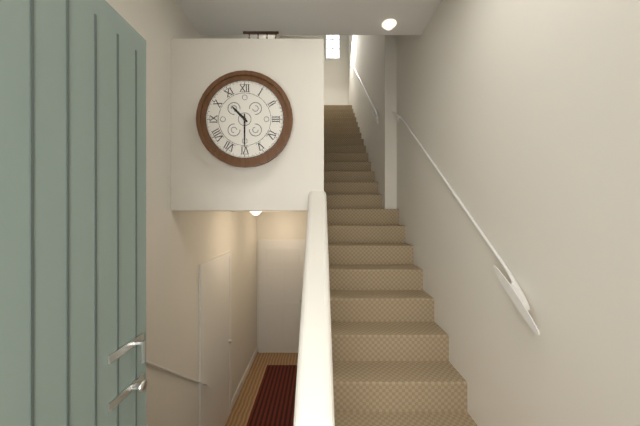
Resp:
h=10 m=30
